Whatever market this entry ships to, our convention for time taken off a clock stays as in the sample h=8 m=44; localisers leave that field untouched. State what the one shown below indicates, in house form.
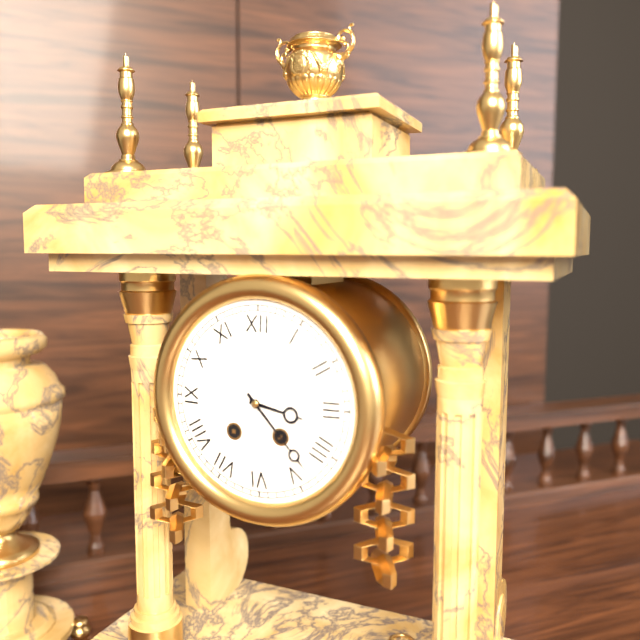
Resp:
h=3 m=23
